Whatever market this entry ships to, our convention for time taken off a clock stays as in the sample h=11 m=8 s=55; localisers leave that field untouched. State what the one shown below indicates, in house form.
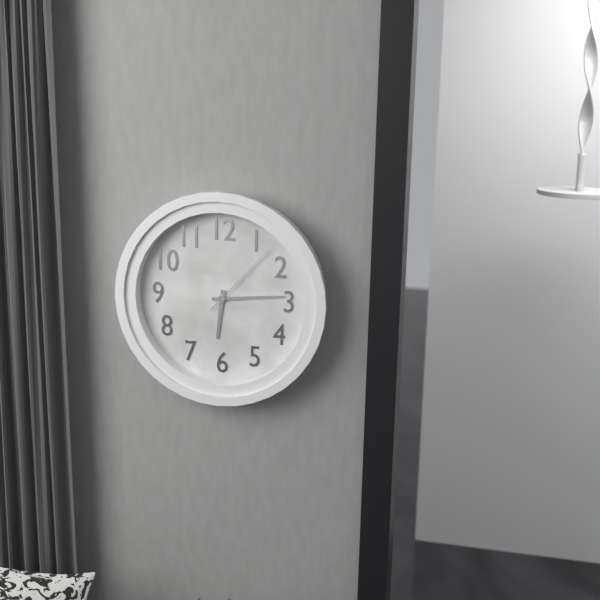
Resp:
h=6 m=14 s=7
